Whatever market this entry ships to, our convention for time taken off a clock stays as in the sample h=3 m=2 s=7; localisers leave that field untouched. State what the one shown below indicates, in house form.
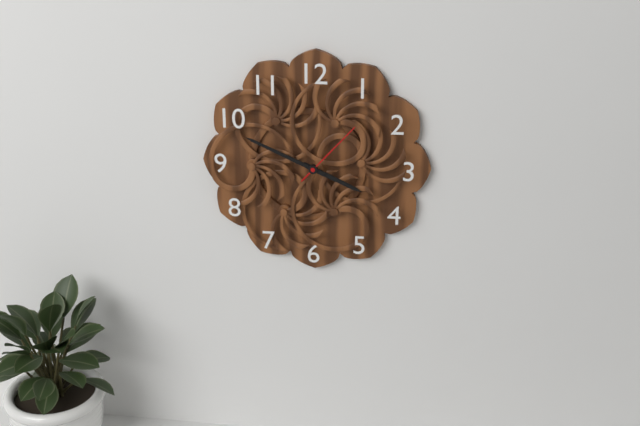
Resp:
h=3 m=49 s=7
